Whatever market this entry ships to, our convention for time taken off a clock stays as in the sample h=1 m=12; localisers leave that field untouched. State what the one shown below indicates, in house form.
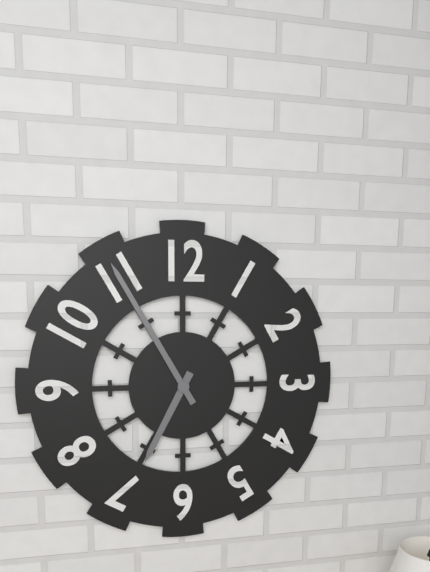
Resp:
h=6 m=55
